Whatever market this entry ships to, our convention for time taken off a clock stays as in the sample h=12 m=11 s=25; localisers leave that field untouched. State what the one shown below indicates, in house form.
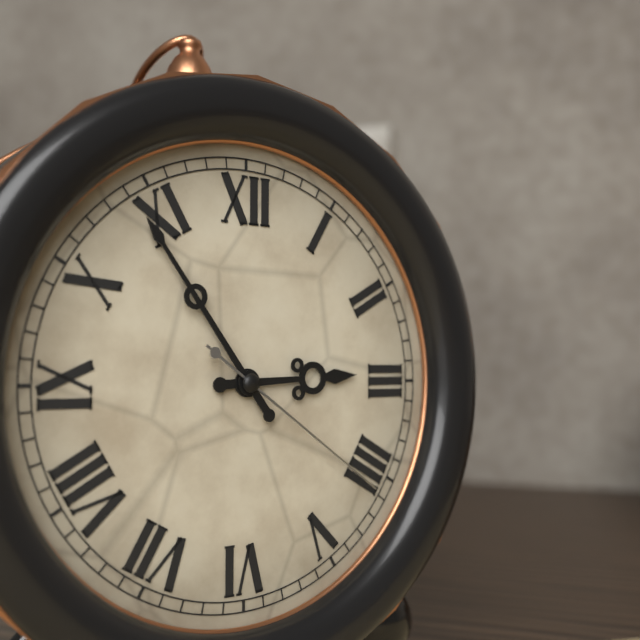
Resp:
h=2 m=54 s=21
